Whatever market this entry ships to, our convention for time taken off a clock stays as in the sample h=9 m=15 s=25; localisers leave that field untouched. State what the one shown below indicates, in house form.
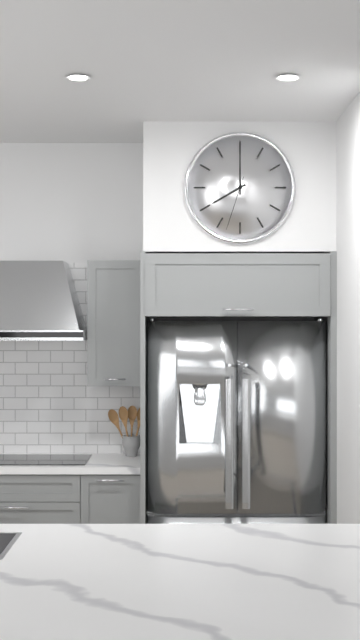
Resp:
h=8 m=0 s=33
